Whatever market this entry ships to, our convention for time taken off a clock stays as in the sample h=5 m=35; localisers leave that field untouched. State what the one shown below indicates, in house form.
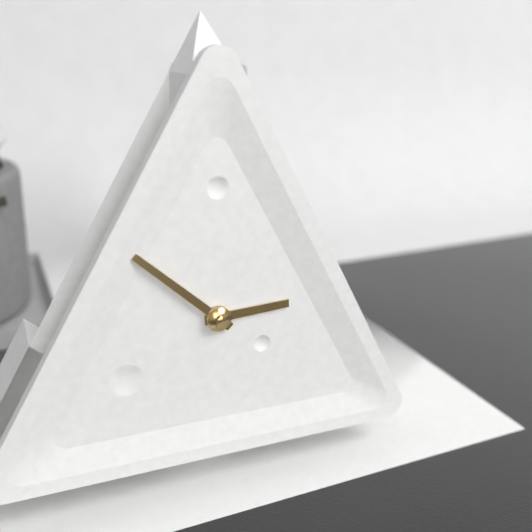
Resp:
h=2 m=52
